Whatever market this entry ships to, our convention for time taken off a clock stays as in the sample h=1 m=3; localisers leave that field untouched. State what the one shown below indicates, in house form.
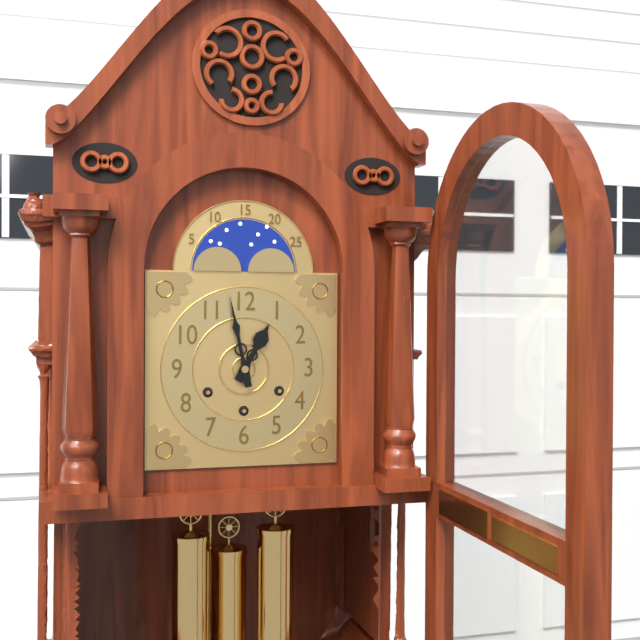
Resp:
h=12 m=58
